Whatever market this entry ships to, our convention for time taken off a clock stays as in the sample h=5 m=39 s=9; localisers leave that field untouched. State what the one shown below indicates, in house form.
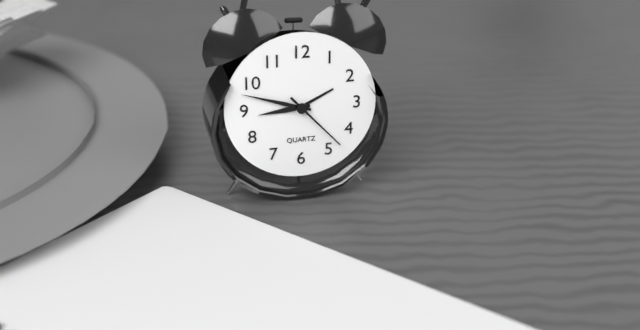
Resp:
h=8 m=48 s=23
